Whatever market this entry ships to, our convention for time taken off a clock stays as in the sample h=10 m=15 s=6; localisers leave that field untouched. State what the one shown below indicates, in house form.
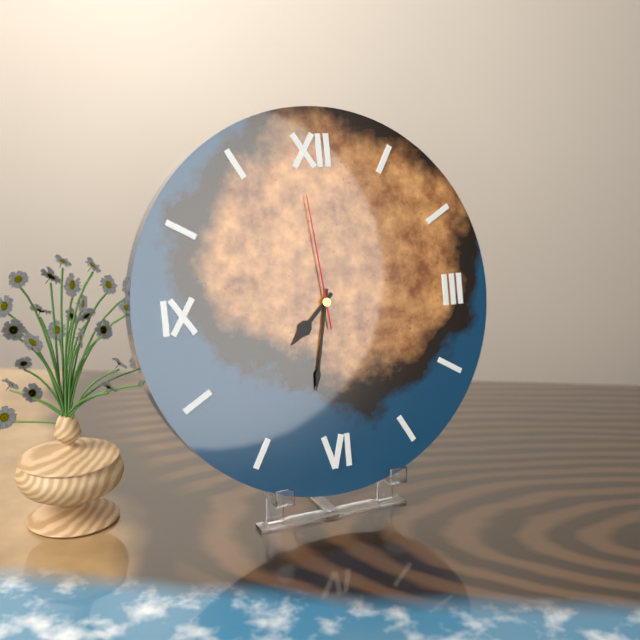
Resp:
h=7 m=32 s=59
